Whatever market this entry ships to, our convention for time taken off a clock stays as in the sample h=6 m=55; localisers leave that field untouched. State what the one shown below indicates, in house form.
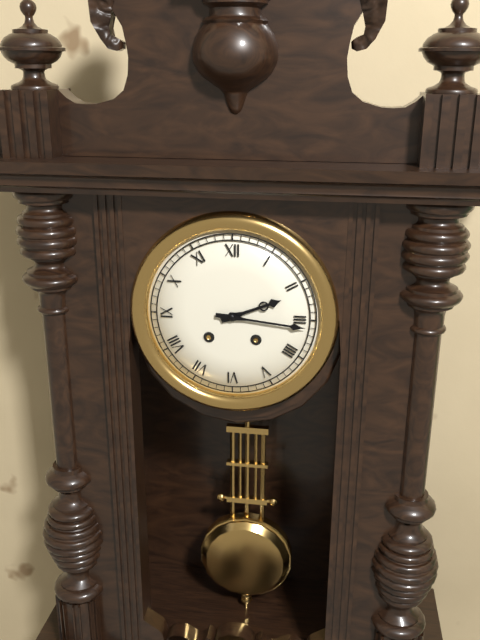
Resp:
h=2 m=16
